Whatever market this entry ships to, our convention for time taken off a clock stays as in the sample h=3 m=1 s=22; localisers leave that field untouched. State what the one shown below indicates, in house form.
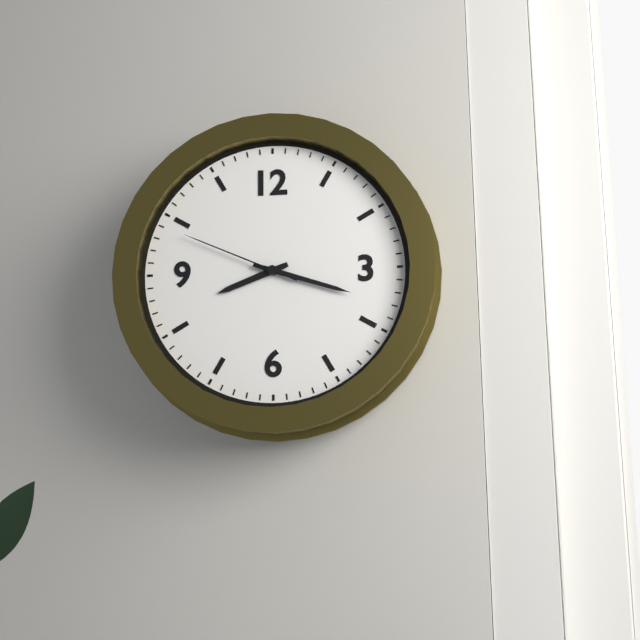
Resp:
h=8 m=18 s=49
